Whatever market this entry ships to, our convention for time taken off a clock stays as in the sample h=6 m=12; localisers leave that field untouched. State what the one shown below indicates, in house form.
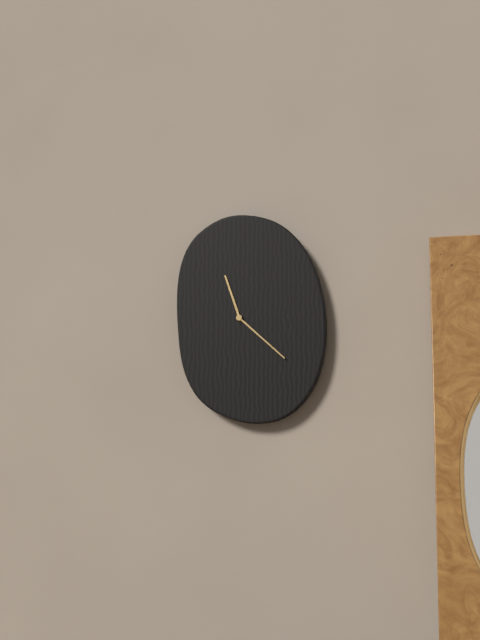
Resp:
h=11 m=22
